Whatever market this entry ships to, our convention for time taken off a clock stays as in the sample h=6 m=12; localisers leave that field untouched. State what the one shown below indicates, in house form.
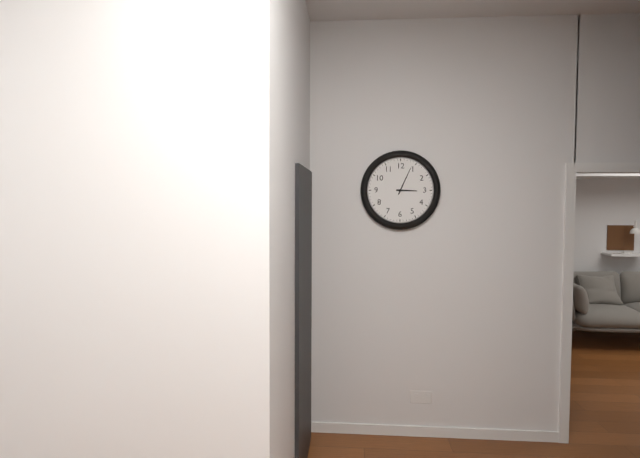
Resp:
h=3 m=4
